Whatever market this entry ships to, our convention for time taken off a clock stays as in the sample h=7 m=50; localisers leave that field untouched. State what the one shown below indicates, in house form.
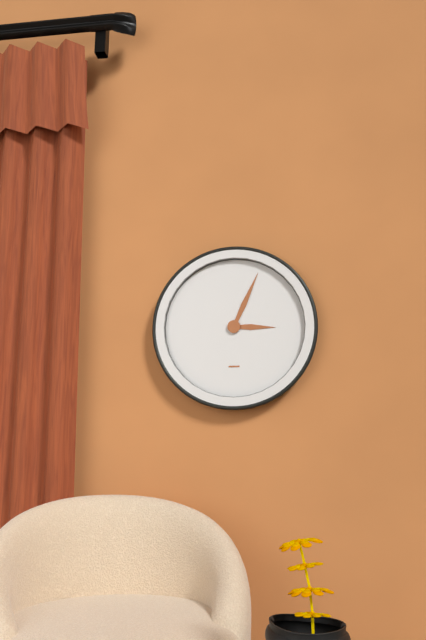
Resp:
h=3 m=4
